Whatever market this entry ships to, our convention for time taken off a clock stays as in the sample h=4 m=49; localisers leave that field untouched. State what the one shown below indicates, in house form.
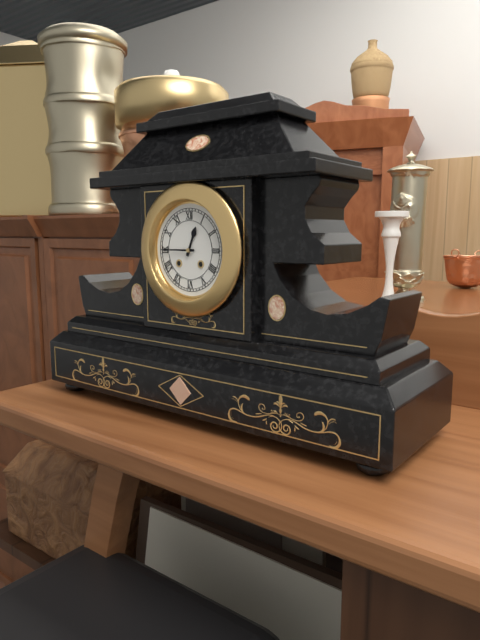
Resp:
h=12 m=45
